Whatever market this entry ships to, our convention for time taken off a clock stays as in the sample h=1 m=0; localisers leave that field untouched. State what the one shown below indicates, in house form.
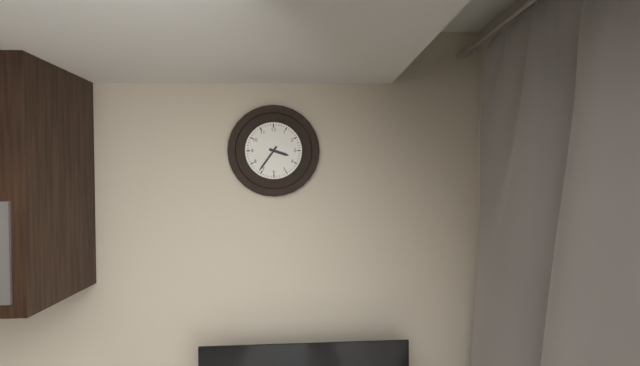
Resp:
h=3 m=36
